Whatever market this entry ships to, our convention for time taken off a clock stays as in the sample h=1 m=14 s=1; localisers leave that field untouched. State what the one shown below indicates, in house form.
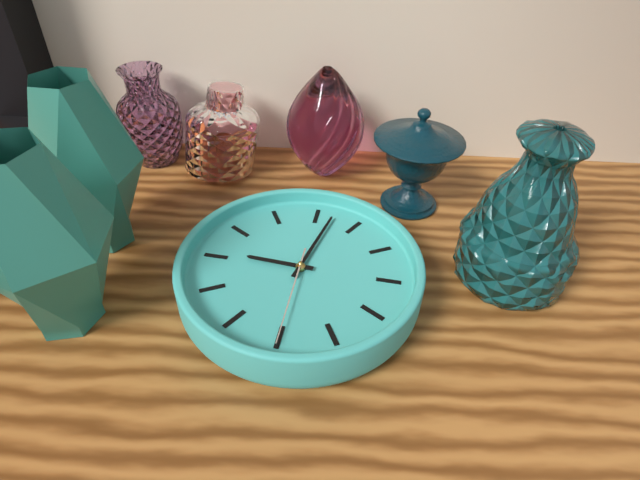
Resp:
h=10 m=7 s=35
